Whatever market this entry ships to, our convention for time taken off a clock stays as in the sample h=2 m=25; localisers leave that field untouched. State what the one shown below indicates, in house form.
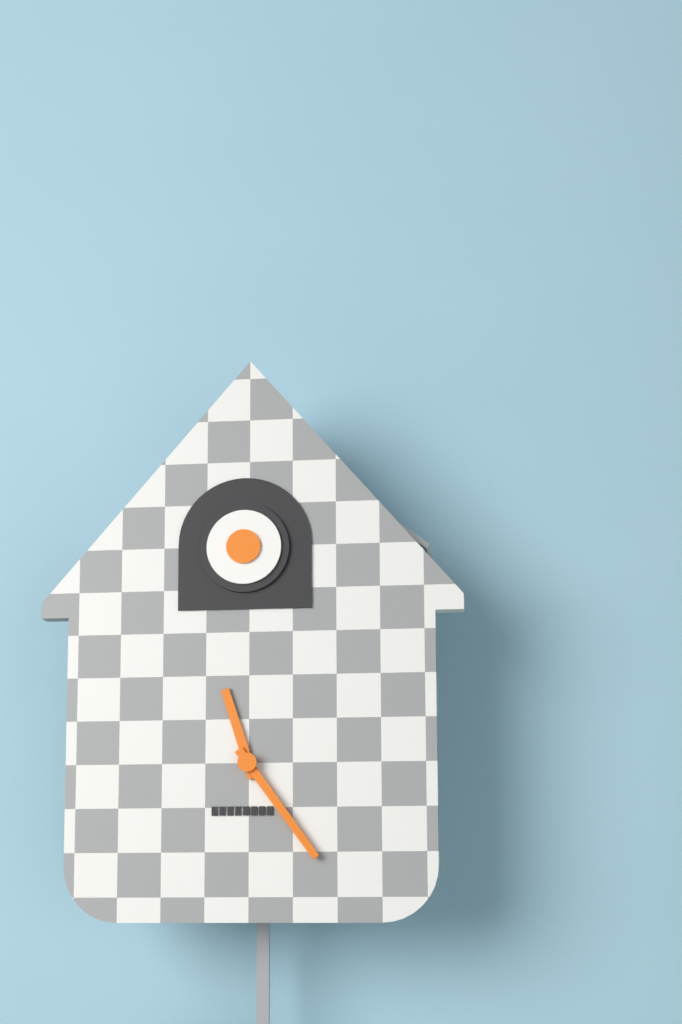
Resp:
h=11 m=24
